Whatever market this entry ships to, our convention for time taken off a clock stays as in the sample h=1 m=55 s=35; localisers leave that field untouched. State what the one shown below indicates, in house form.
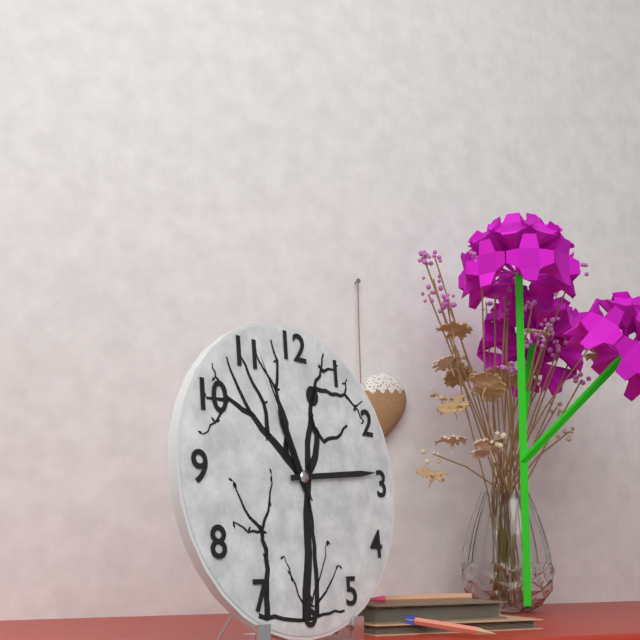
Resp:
h=11 m=14 s=56
